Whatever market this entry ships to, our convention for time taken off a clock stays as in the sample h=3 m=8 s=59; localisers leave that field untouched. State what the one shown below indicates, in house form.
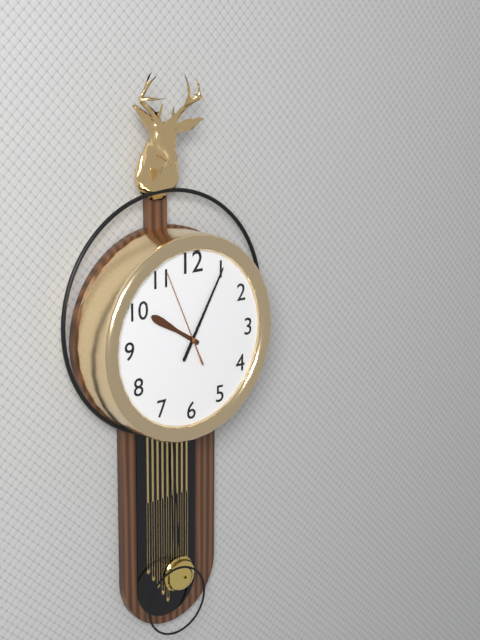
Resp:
h=10 m=5 s=56
